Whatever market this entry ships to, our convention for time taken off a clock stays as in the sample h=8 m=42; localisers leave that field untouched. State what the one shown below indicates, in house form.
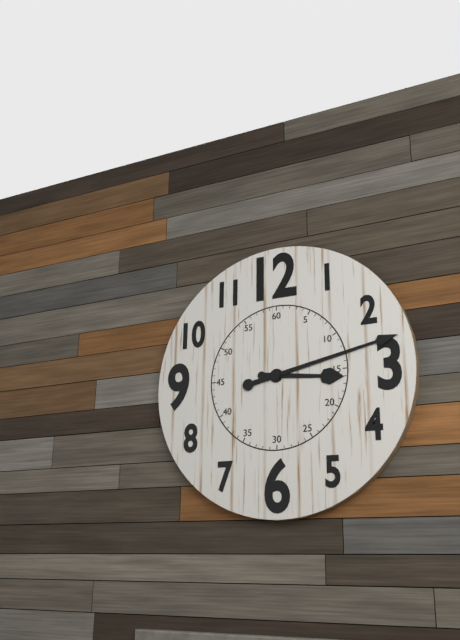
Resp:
h=3 m=13
